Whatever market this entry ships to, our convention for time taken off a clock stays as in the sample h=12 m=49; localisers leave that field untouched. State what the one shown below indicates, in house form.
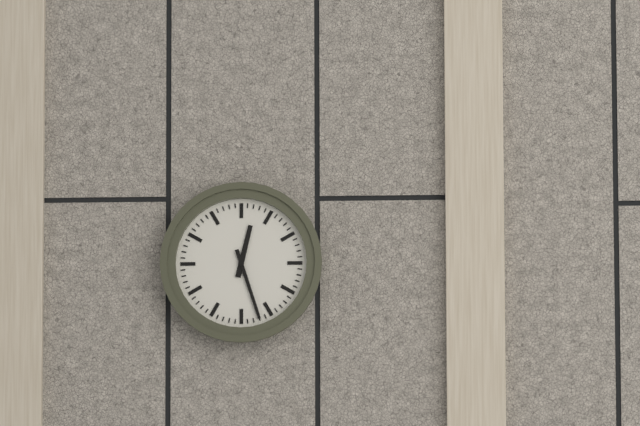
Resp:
h=12 m=27
